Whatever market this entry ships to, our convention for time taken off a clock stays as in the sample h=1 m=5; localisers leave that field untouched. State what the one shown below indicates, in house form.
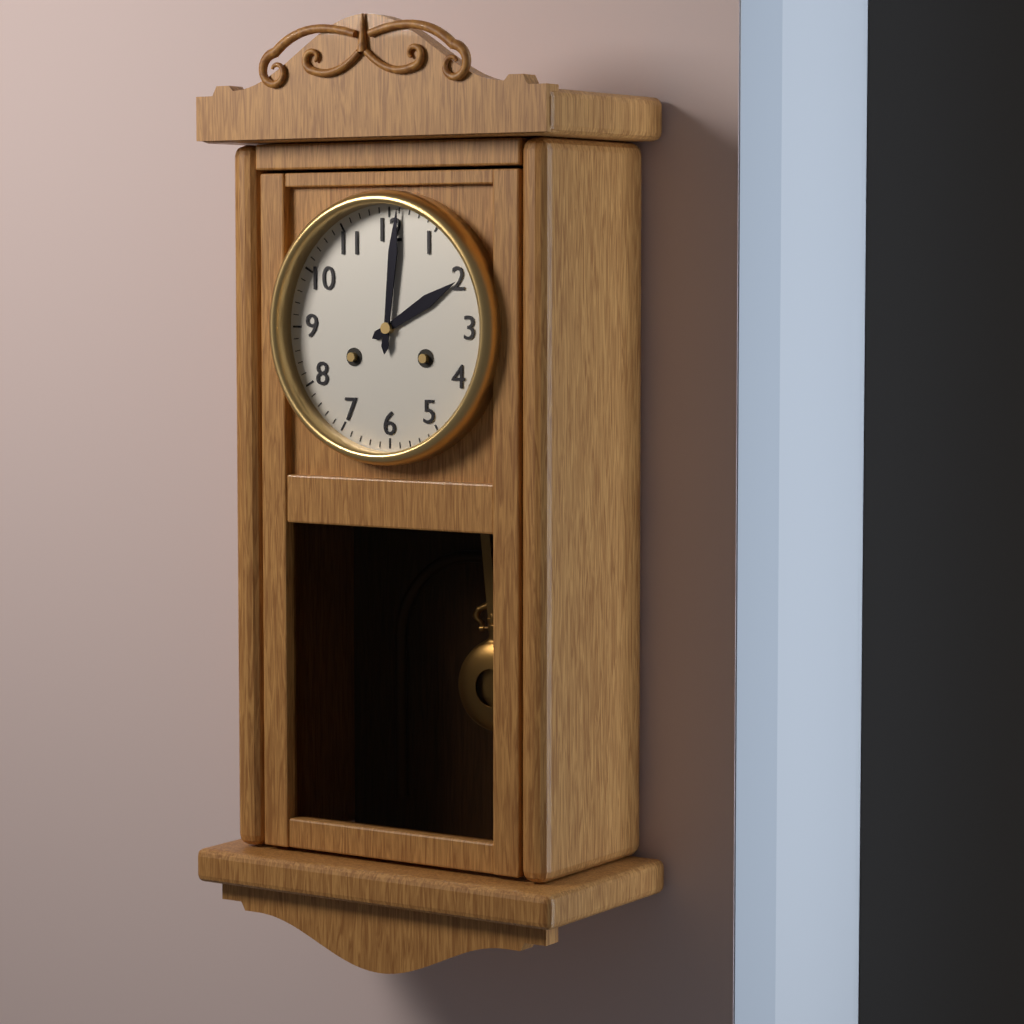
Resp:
h=2 m=1
